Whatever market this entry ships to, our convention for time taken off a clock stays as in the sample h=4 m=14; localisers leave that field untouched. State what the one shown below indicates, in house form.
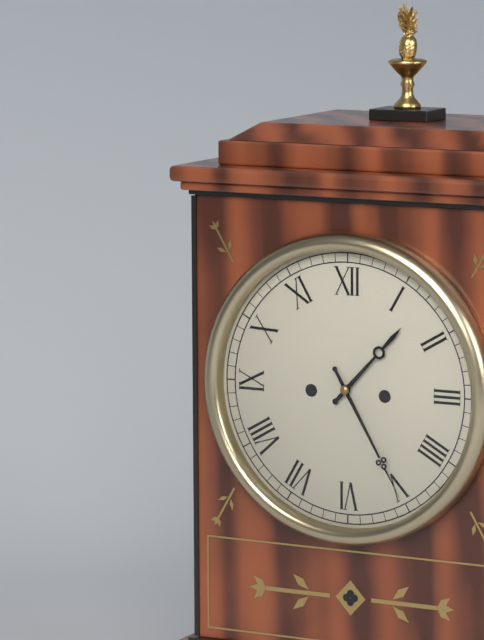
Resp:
h=1 m=25
